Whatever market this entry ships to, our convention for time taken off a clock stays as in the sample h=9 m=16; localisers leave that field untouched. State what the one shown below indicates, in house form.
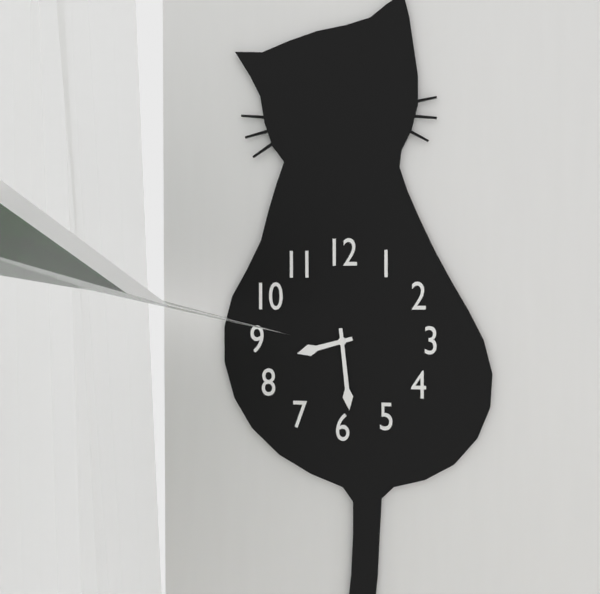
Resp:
h=8 m=29
